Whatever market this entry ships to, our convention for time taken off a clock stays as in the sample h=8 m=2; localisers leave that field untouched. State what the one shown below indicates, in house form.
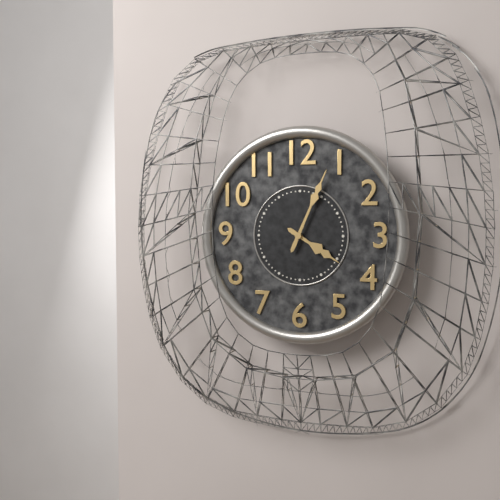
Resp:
h=4 m=4
